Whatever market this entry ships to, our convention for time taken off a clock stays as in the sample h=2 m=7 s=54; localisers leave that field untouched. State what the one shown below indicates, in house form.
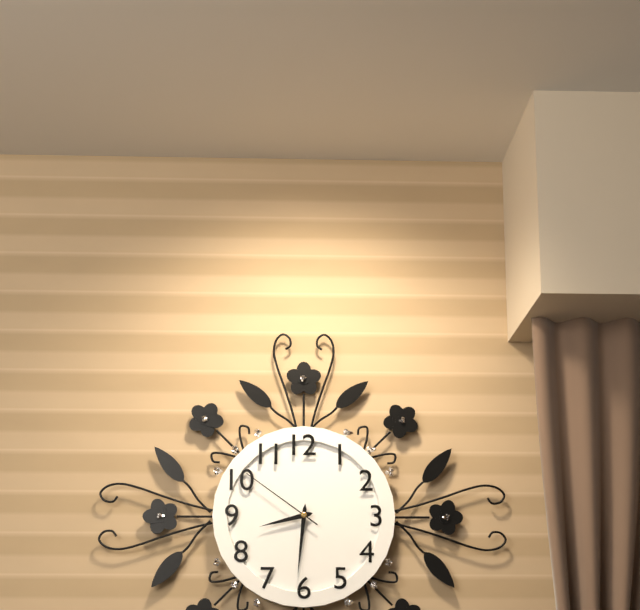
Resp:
h=8 m=31 s=51
